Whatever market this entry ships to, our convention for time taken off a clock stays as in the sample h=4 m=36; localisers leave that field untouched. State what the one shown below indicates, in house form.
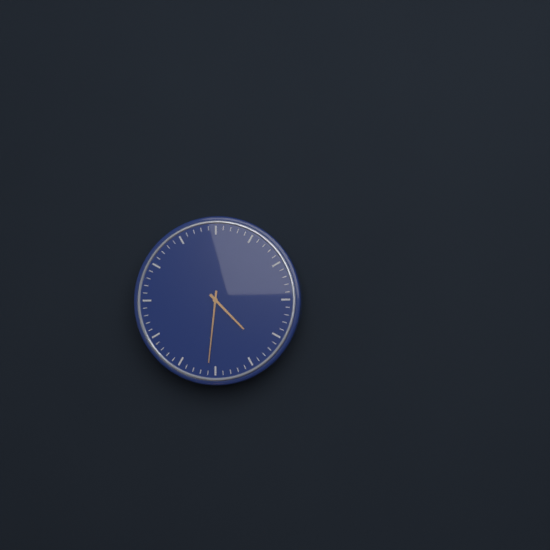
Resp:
h=4 m=31
